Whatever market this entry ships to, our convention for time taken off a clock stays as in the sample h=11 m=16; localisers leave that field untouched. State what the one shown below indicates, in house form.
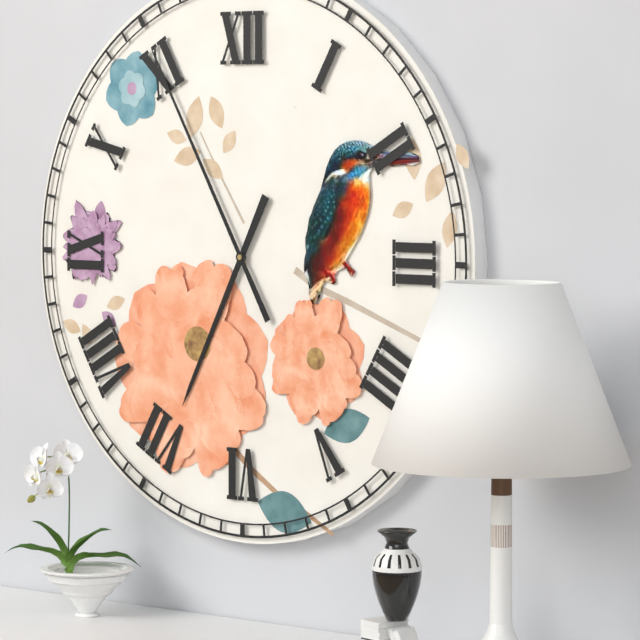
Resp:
h=6 m=55
